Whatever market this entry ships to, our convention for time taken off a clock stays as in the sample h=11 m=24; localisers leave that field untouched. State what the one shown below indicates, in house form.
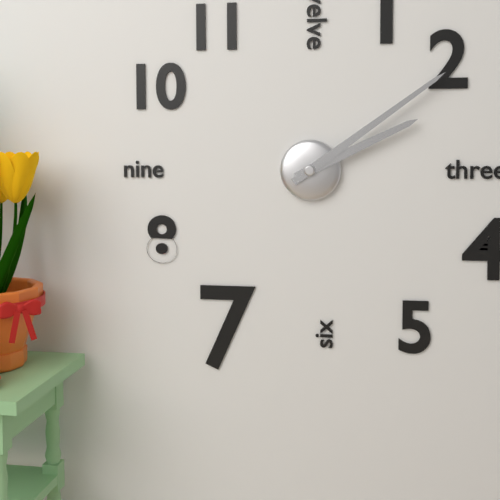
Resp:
h=2 m=9
